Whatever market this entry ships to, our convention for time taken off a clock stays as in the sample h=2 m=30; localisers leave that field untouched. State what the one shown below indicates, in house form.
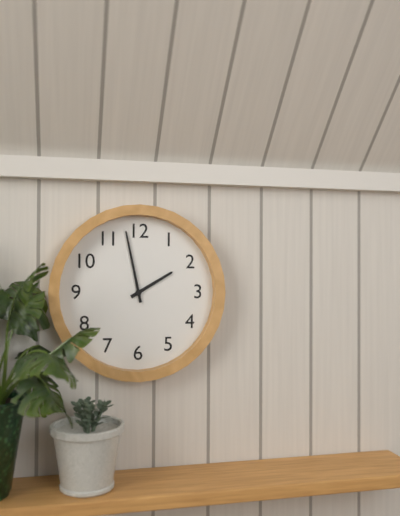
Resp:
h=1 m=58
